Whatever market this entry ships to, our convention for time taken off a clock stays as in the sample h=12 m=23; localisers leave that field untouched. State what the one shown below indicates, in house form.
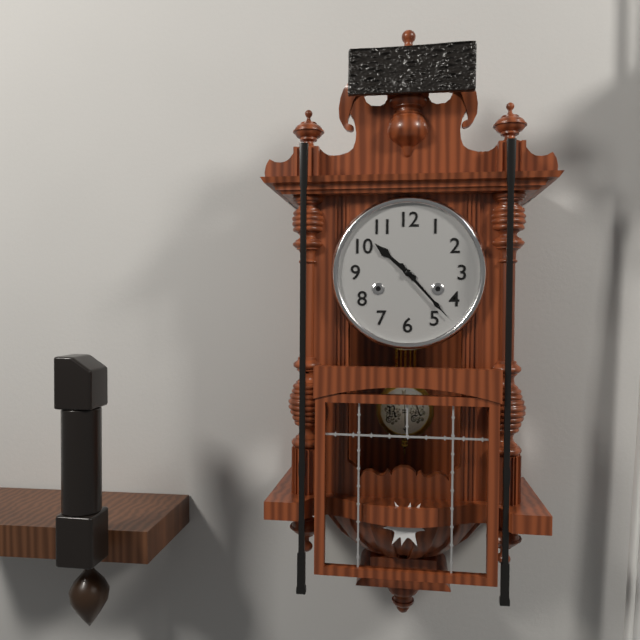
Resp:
h=10 m=23
